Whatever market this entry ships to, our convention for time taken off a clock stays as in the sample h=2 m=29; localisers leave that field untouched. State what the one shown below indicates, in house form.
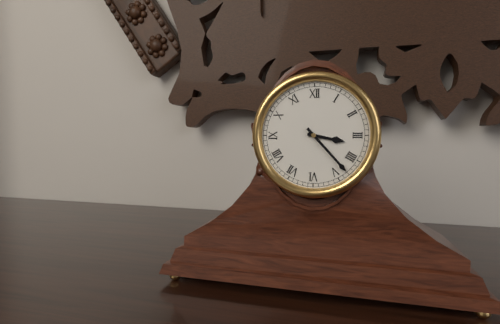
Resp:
h=3 m=23
